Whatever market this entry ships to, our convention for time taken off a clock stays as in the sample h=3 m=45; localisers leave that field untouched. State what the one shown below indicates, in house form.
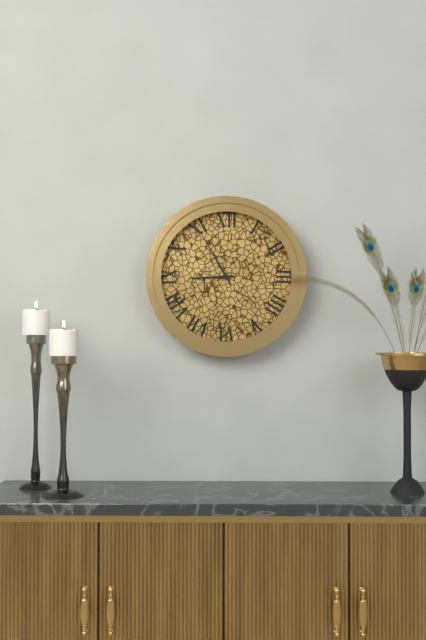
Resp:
h=8 m=55
